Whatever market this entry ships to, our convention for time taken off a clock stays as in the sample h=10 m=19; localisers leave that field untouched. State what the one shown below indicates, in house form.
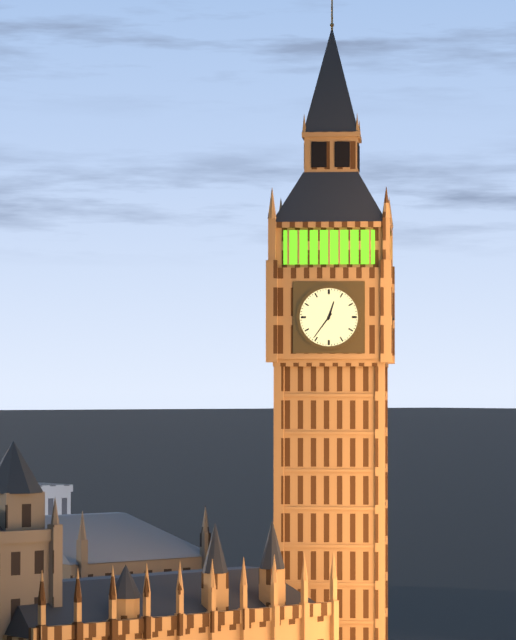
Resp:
h=12 m=36
